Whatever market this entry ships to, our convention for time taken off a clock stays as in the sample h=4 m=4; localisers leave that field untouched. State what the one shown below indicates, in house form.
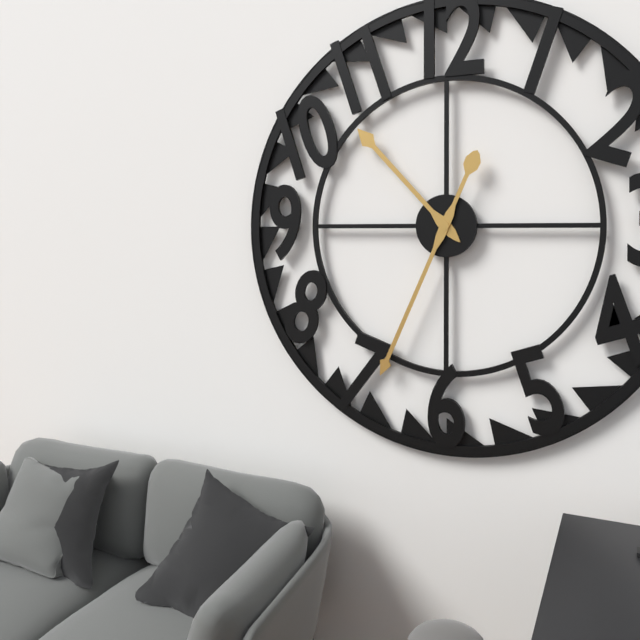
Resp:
h=10 m=34
